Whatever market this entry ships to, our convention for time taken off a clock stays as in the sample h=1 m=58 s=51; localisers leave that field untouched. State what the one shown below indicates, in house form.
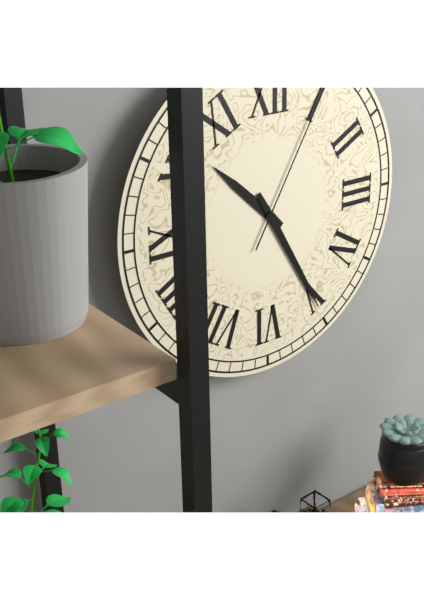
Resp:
h=10 m=25 s=5
